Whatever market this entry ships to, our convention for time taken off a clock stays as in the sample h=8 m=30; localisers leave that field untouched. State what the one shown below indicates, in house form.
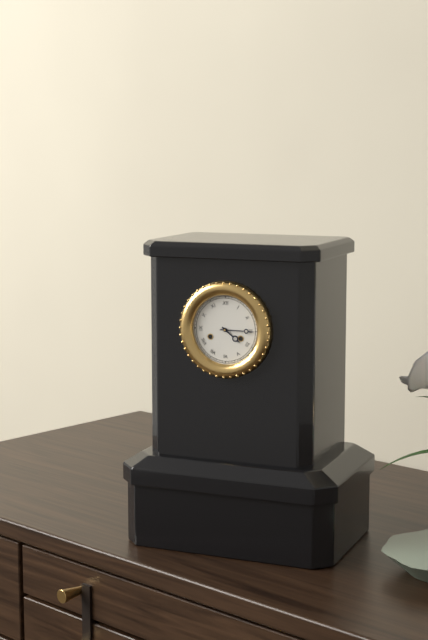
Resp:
h=4 m=15
